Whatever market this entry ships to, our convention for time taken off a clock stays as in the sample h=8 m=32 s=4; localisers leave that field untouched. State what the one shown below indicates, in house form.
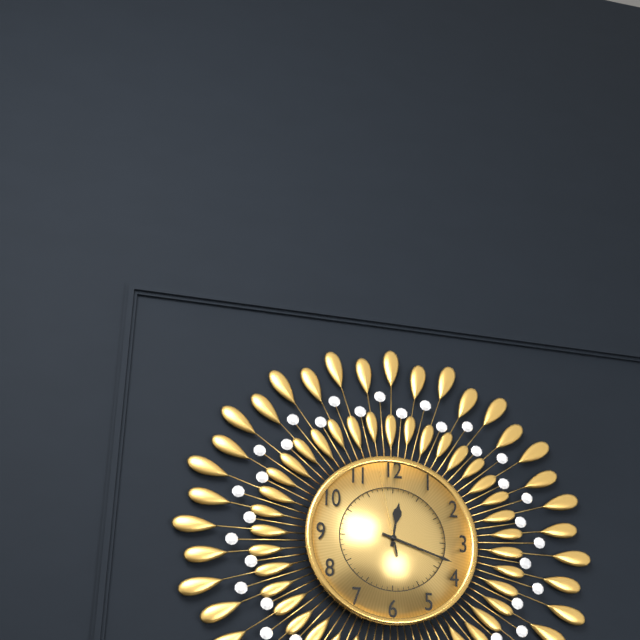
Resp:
h=12 m=18 s=58
